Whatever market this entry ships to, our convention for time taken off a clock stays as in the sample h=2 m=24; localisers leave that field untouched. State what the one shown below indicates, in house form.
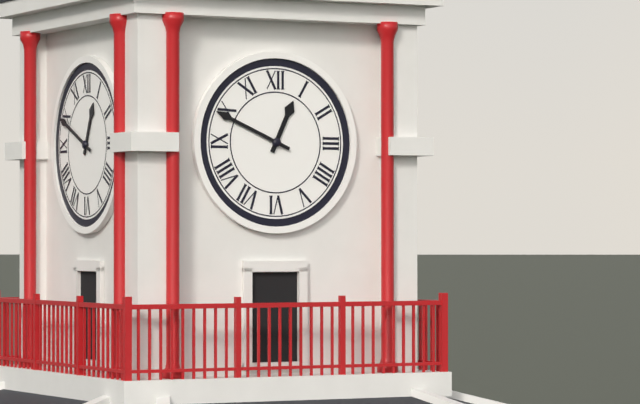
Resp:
h=12 m=49
